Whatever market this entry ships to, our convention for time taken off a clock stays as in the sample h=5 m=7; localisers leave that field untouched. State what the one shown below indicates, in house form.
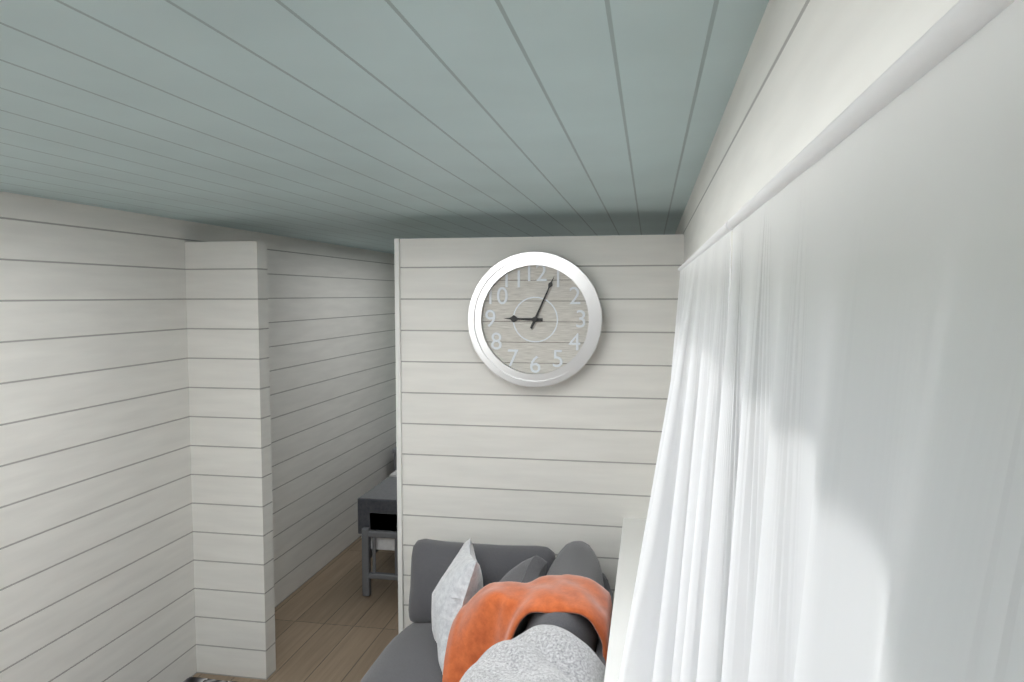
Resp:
h=9 m=4
